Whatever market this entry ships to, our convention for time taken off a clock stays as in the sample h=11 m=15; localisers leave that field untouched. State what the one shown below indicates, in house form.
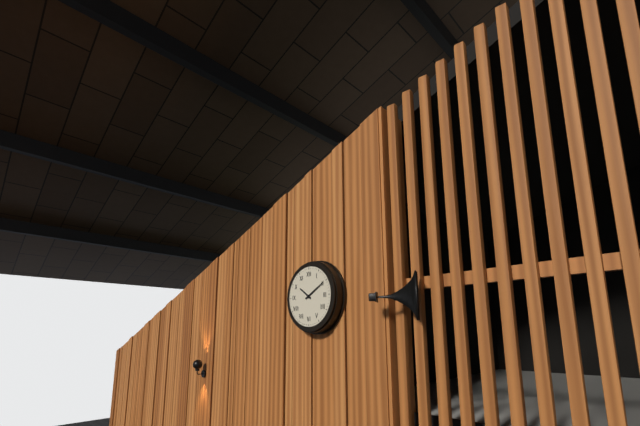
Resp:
h=10 m=10
